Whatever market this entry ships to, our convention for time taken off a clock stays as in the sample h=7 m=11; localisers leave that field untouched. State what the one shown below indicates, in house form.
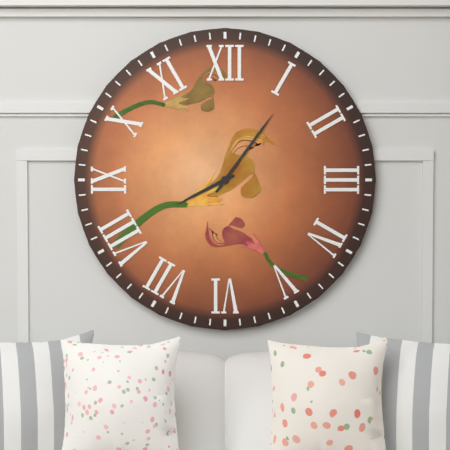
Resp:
h=8 m=6
